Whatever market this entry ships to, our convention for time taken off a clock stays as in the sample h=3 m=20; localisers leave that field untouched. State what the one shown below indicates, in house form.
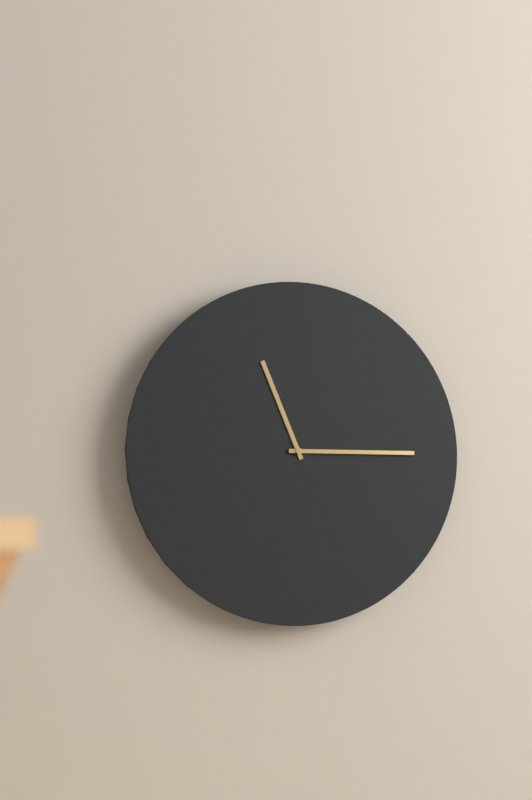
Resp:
h=11 m=15
